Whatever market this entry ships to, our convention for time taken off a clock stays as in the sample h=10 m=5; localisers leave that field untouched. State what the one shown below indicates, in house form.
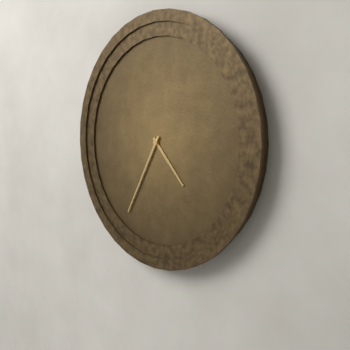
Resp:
h=4 m=35
